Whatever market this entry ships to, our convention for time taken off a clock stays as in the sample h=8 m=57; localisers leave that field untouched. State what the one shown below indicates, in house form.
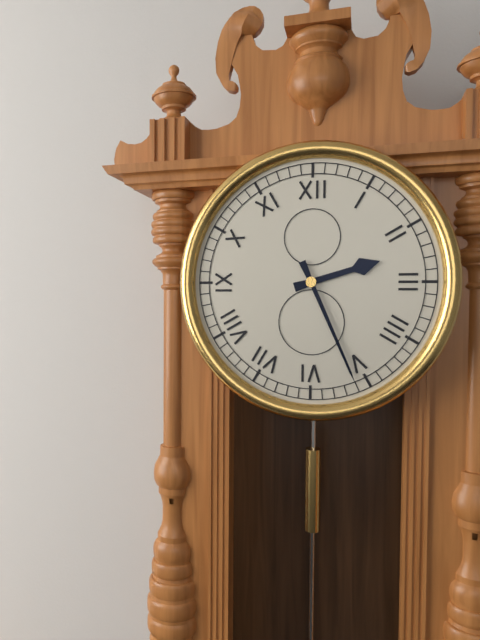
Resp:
h=2 m=26
